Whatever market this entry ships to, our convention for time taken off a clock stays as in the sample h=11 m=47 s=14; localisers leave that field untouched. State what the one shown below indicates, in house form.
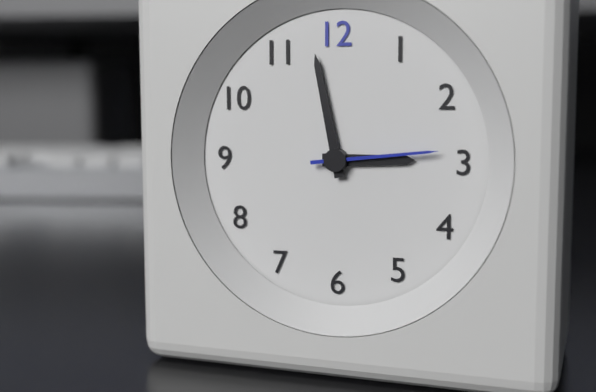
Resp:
h=2 m=58 s=14
